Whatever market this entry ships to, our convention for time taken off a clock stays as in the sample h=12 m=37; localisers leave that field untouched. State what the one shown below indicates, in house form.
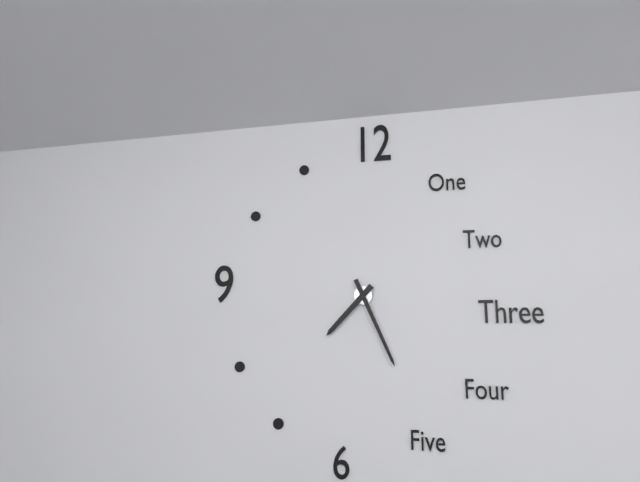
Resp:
h=7 m=26
